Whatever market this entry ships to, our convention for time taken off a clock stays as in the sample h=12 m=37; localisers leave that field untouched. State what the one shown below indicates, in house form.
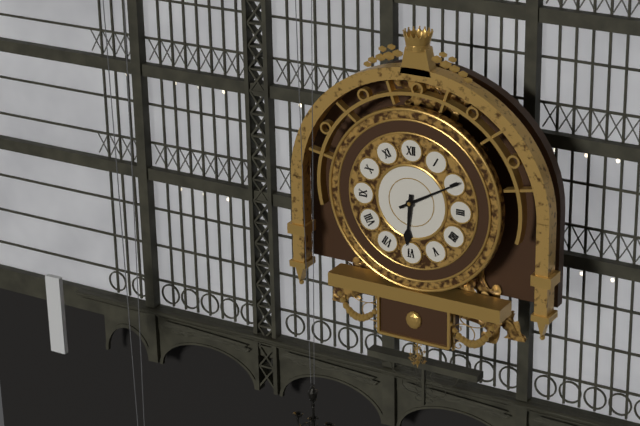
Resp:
h=6 m=10
